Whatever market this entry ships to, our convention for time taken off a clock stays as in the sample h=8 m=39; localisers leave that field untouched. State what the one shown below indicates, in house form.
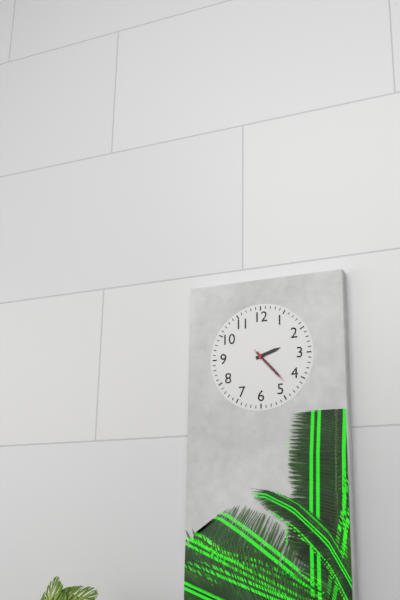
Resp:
h=2 m=23
